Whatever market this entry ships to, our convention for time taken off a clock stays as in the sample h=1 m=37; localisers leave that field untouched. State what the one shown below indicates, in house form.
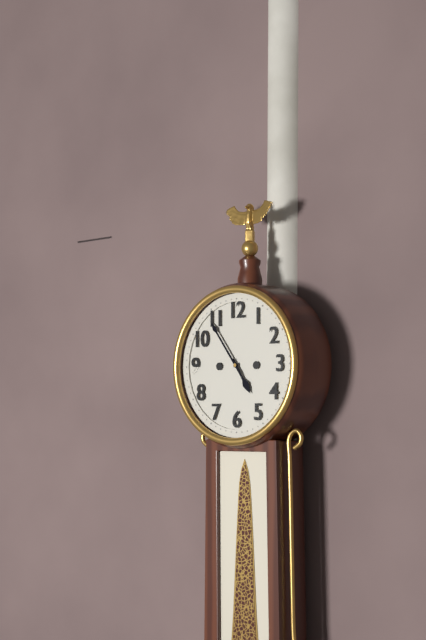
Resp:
h=4 m=54
